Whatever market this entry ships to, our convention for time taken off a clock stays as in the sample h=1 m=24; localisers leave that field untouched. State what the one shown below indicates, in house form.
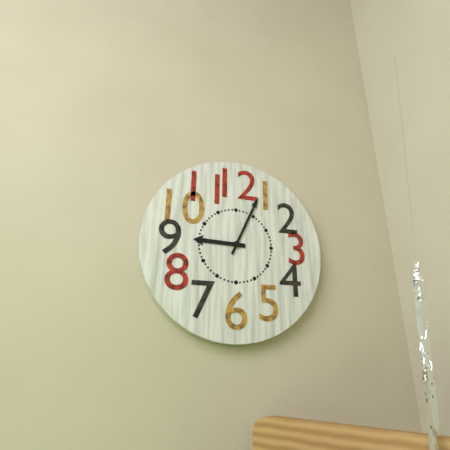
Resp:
h=9 m=4
